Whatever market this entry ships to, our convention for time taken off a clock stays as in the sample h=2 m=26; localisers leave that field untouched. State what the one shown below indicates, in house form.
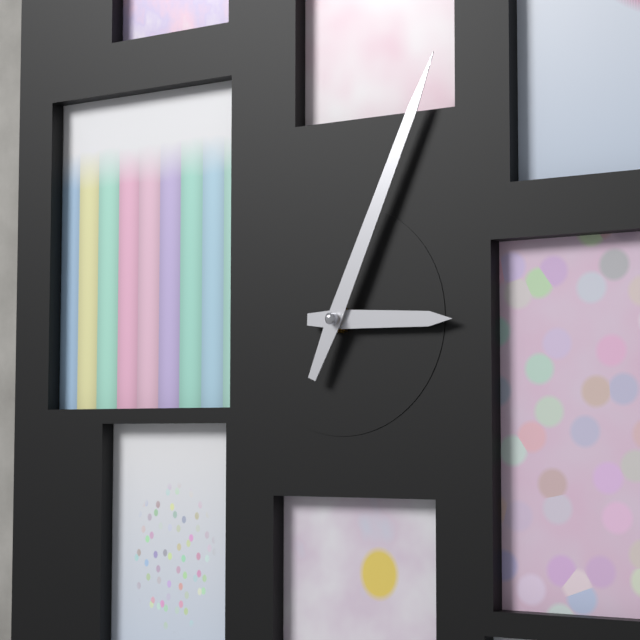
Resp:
h=3 m=4
